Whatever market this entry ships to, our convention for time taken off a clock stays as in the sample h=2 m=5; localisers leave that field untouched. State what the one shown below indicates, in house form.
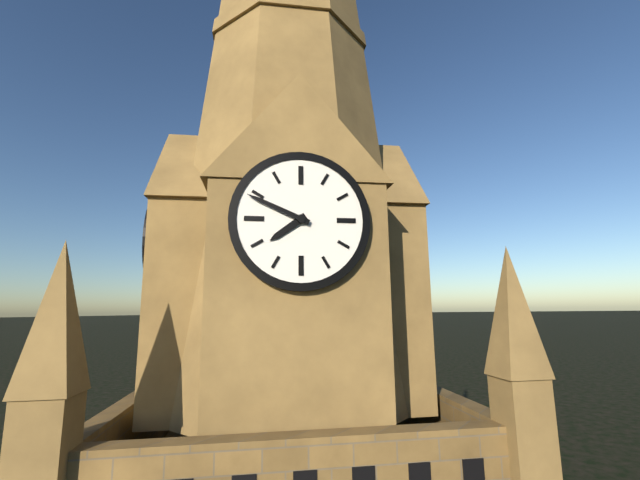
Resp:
h=7 m=49
